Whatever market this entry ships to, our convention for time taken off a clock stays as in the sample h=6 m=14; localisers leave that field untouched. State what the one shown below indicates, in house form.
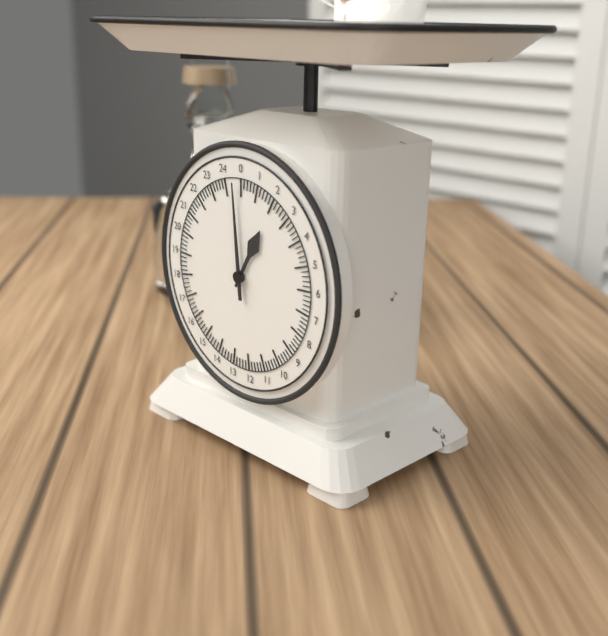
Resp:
h=12 m=59
